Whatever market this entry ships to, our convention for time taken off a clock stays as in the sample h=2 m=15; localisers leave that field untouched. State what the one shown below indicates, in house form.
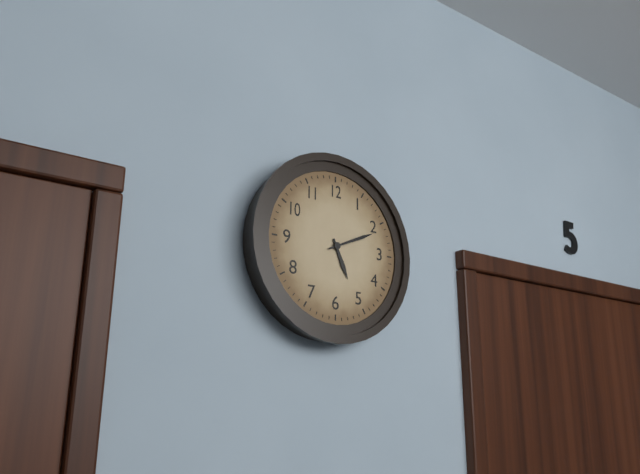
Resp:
h=5 m=11
